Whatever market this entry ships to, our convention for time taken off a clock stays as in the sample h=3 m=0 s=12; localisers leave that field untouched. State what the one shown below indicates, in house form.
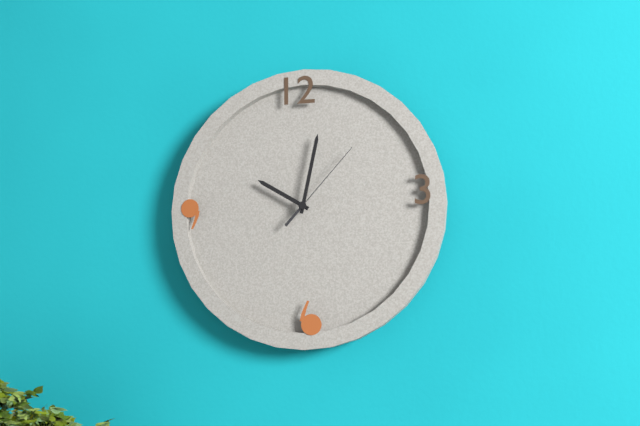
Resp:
h=10 m=2 s=7
